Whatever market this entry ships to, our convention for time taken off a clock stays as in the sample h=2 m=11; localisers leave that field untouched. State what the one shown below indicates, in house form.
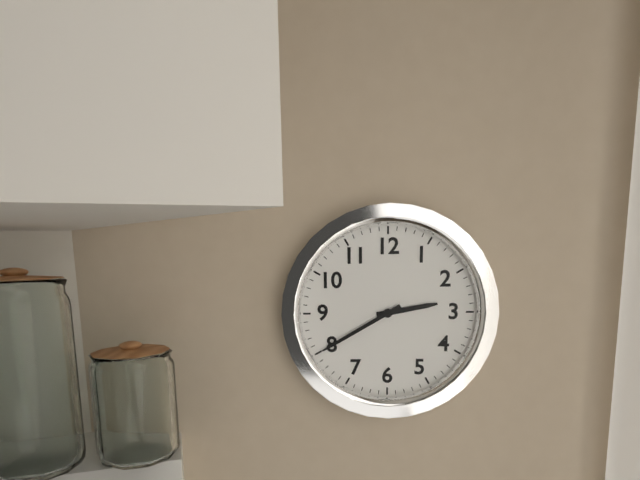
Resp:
h=2 m=40
